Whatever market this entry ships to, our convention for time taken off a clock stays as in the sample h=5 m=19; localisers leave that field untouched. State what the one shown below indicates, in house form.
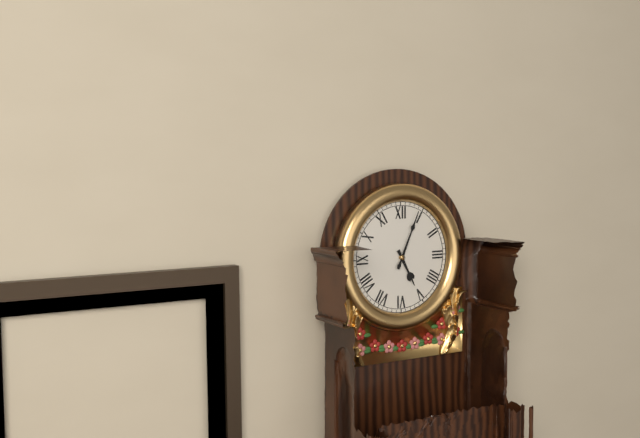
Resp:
h=5 m=4
